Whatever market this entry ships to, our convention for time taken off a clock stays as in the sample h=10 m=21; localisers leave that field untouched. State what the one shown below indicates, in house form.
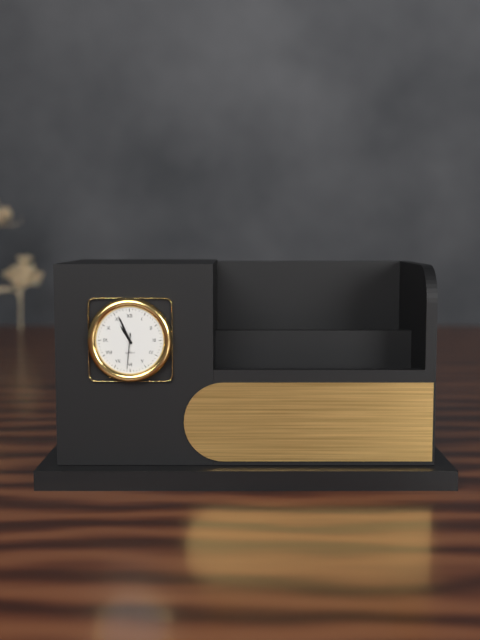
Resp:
h=10 m=56
